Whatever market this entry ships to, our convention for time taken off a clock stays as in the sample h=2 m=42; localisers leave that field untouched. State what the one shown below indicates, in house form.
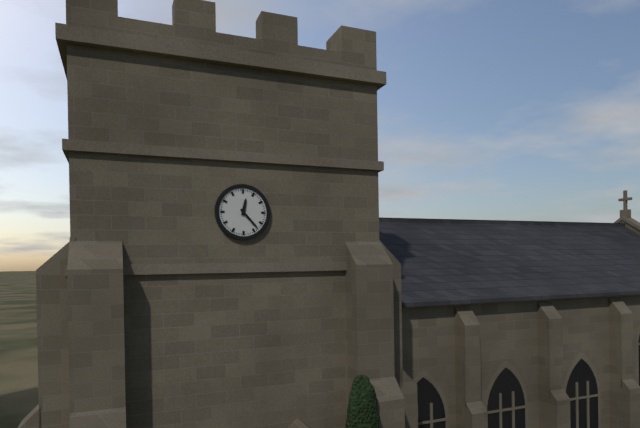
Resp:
h=12 m=23
